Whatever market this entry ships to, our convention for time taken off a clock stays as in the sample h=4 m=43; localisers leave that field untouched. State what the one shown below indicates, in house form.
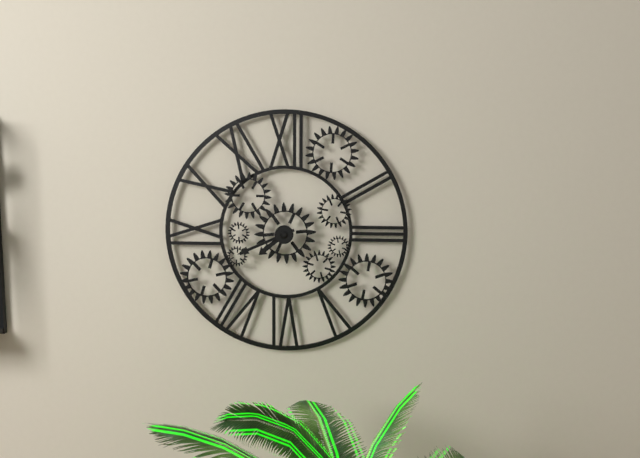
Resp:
h=7 m=41
